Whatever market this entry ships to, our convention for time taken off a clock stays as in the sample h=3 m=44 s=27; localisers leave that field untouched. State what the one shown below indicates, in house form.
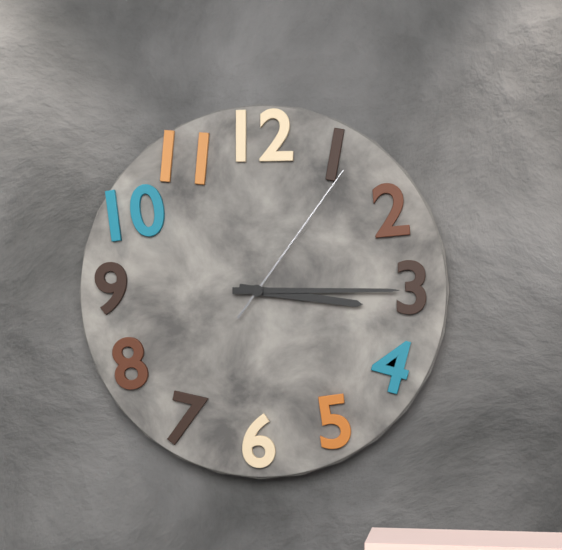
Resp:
h=3 m=15 s=6
